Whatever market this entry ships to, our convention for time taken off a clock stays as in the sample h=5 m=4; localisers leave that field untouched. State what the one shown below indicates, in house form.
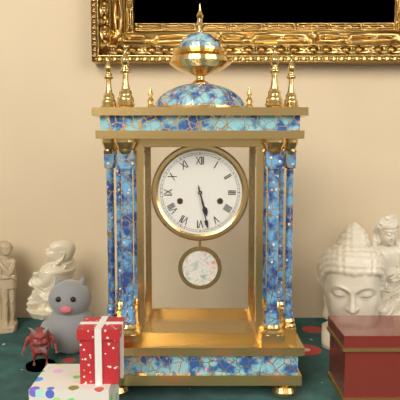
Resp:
h=5 m=28
